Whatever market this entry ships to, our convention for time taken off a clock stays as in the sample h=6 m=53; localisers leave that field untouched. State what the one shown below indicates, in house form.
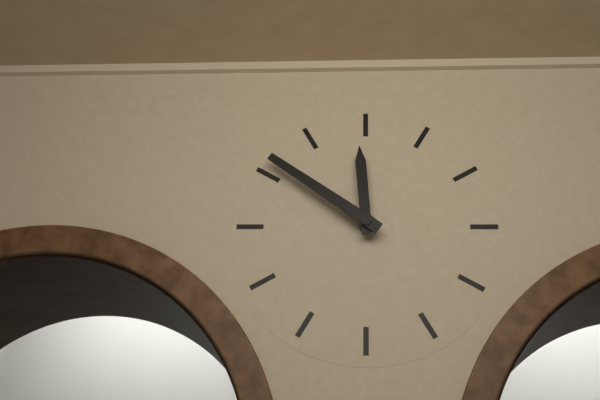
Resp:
h=11 m=51
